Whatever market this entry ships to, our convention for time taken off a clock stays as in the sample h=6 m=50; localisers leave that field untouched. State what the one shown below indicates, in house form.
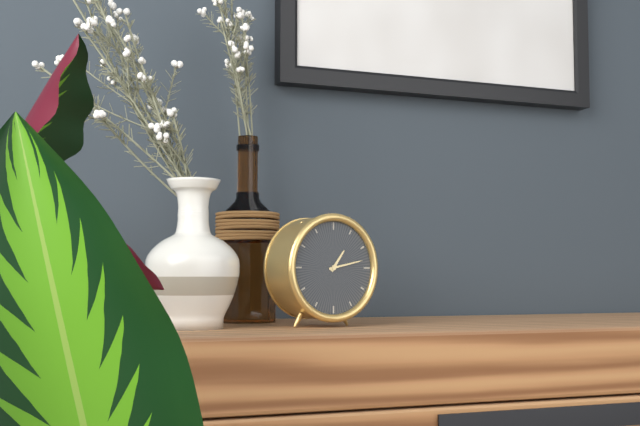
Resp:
h=1 m=13
